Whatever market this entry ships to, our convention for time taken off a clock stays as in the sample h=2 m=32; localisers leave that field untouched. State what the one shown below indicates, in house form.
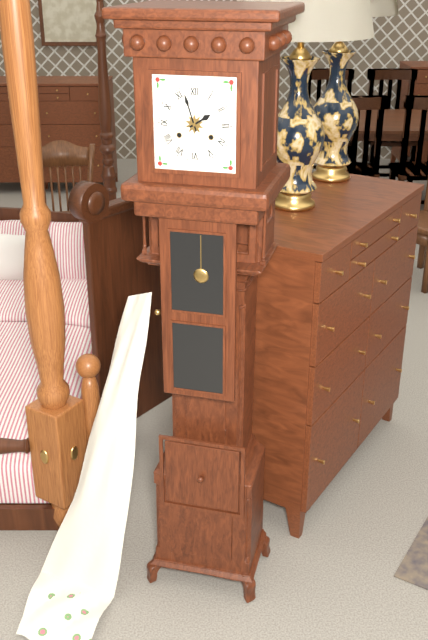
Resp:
h=1 m=57
